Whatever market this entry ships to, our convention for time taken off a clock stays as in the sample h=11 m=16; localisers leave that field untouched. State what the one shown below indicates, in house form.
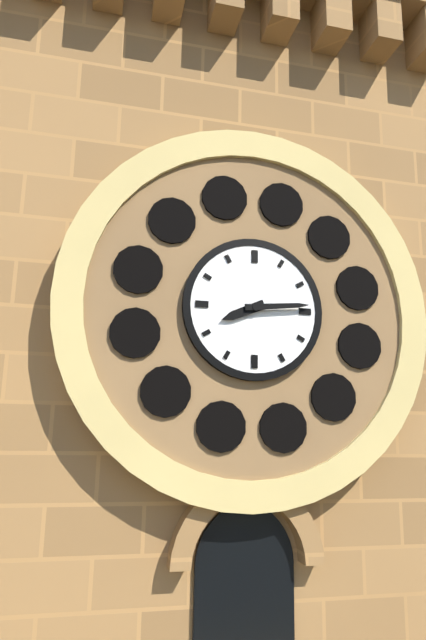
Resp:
h=8 m=14
